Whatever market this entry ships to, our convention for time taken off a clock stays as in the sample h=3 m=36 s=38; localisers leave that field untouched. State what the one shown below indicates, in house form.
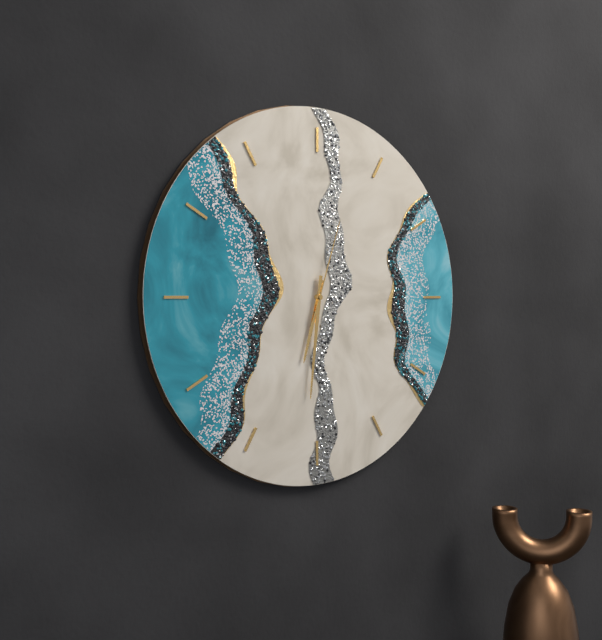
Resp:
h=6 m=31 s=3
